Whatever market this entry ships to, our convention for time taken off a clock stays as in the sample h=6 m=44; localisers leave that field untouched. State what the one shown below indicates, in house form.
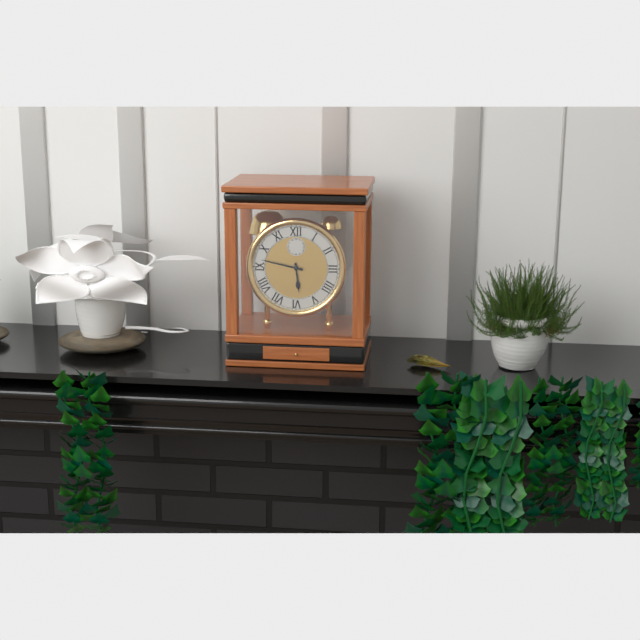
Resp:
h=5 m=47
